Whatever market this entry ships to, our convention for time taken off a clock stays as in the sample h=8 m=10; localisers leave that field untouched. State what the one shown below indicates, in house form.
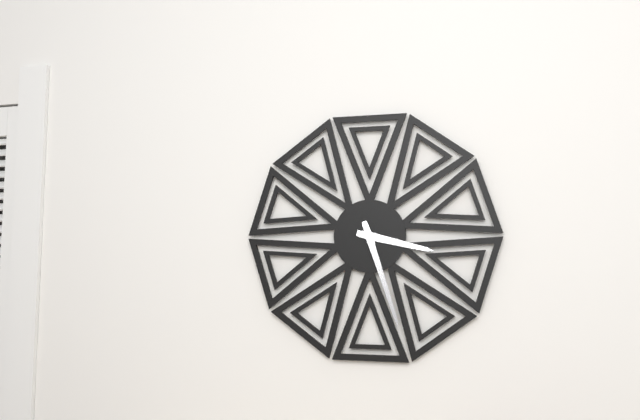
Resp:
h=3 m=27
